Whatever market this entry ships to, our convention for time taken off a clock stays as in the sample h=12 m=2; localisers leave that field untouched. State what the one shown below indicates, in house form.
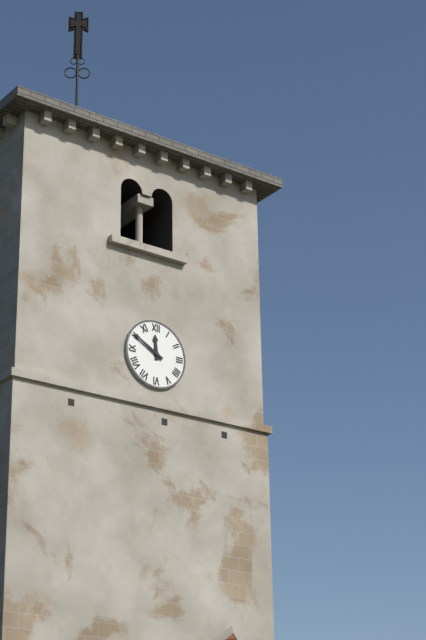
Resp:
h=11 m=50
